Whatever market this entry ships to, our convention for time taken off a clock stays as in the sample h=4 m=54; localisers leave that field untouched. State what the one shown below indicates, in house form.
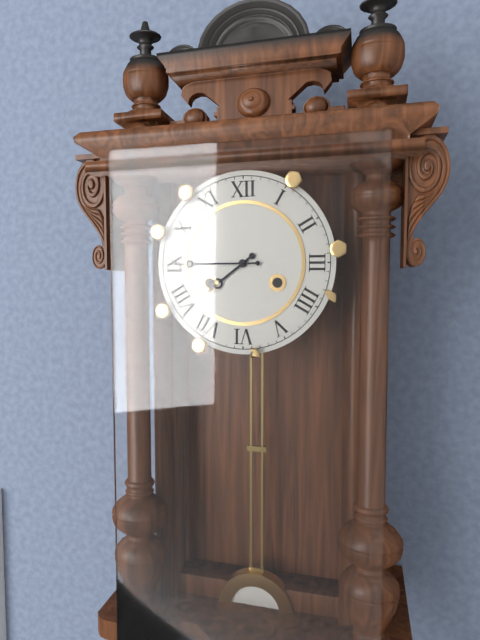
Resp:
h=7 m=45
